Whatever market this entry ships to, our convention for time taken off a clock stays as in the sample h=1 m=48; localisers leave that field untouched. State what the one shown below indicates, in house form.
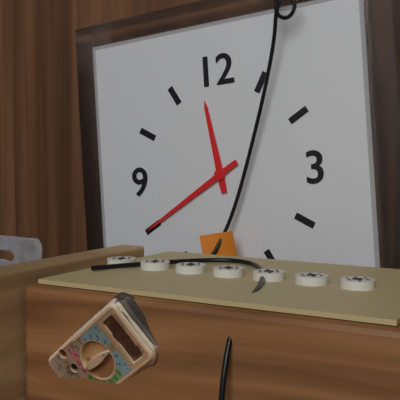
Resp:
h=11 m=40
